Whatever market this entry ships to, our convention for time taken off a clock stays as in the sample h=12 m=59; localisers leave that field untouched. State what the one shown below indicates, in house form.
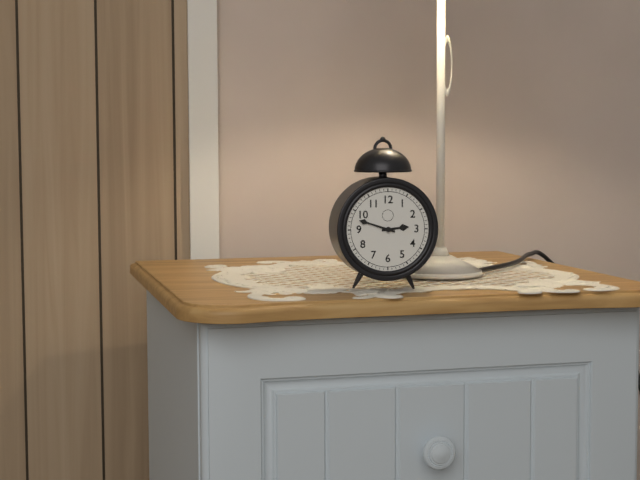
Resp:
h=2 m=48
